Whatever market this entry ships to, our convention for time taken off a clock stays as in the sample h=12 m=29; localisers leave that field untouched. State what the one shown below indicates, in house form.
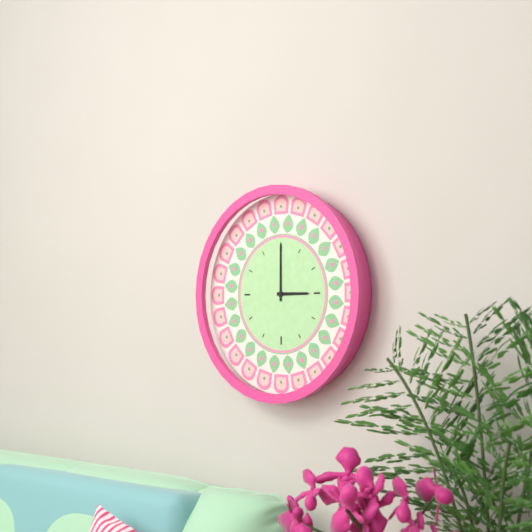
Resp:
h=3 m=0
